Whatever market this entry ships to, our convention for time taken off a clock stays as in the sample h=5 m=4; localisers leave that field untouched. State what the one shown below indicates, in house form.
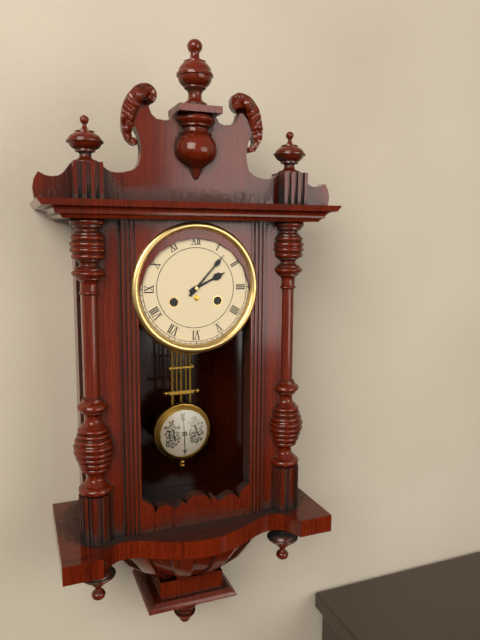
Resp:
h=2 m=7
